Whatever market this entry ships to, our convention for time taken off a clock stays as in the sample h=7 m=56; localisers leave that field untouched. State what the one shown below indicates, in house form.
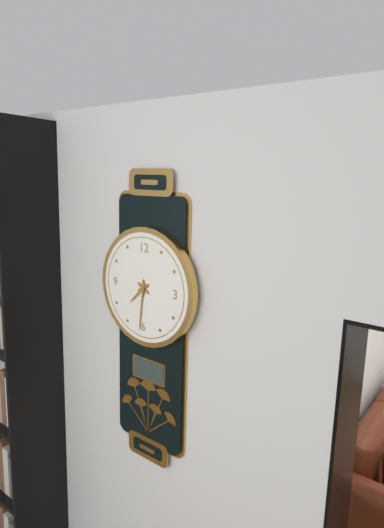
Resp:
h=7 m=31
